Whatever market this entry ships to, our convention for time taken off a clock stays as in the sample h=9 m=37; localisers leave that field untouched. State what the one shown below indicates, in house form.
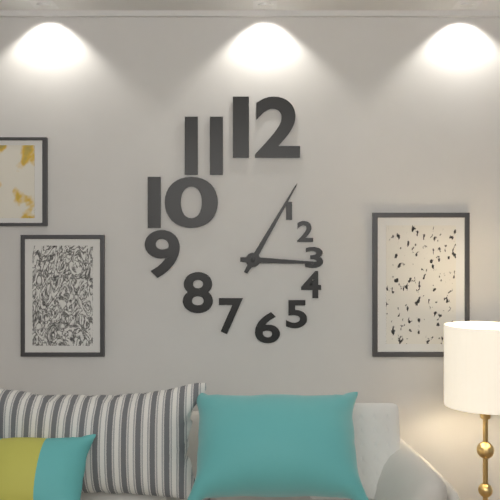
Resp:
h=3 m=5
